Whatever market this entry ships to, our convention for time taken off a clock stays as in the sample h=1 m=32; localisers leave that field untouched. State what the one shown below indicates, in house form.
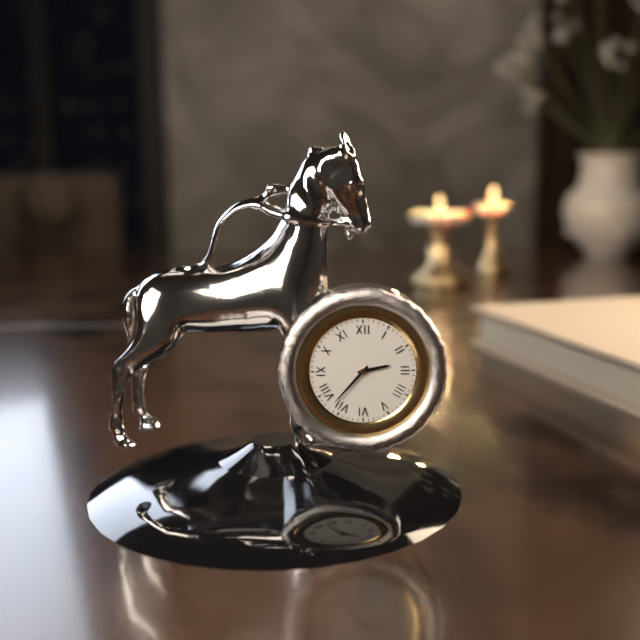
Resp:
h=2 m=37
